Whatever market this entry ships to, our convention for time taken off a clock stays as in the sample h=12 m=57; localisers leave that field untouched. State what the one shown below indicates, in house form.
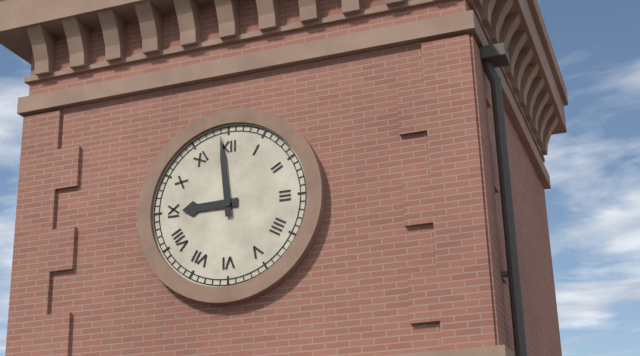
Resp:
h=8 m=59
